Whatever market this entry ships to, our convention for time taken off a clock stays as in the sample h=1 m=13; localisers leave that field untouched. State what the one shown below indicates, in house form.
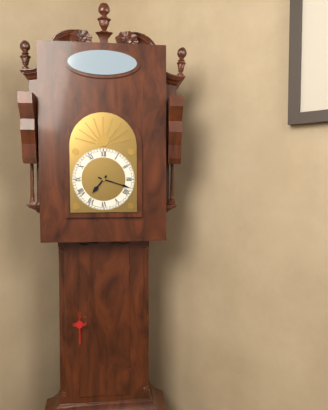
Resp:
h=7 m=18
